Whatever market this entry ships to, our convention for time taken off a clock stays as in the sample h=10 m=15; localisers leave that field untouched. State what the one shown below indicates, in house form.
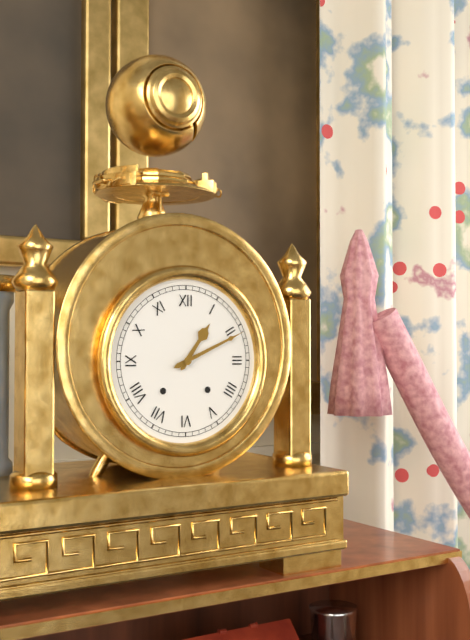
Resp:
h=1 m=11
